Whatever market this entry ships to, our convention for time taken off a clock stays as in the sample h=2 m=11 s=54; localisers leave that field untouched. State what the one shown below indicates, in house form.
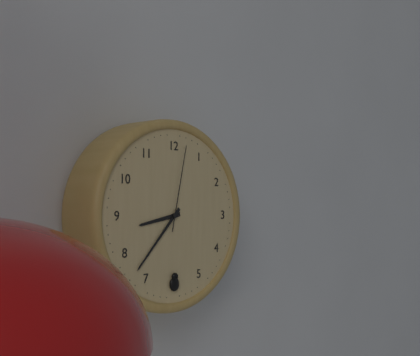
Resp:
h=8 m=37 s=2
